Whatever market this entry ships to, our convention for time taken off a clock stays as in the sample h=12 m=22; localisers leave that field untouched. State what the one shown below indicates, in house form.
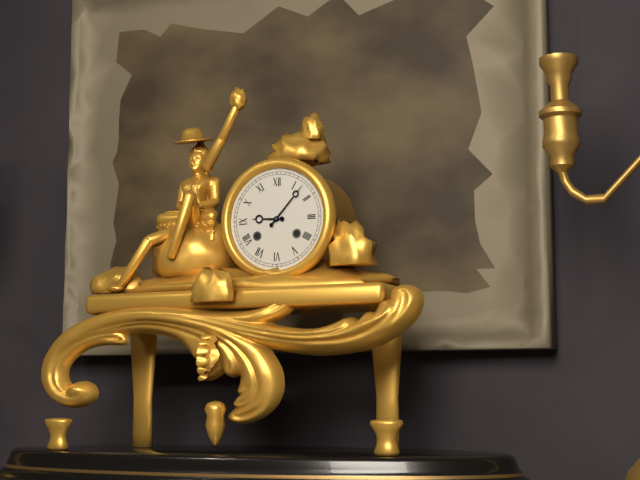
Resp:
h=9 m=7
